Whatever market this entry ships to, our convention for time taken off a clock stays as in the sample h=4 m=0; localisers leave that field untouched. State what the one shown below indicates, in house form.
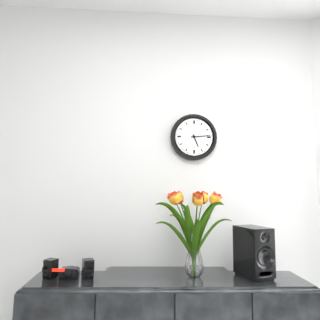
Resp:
h=5 m=14
